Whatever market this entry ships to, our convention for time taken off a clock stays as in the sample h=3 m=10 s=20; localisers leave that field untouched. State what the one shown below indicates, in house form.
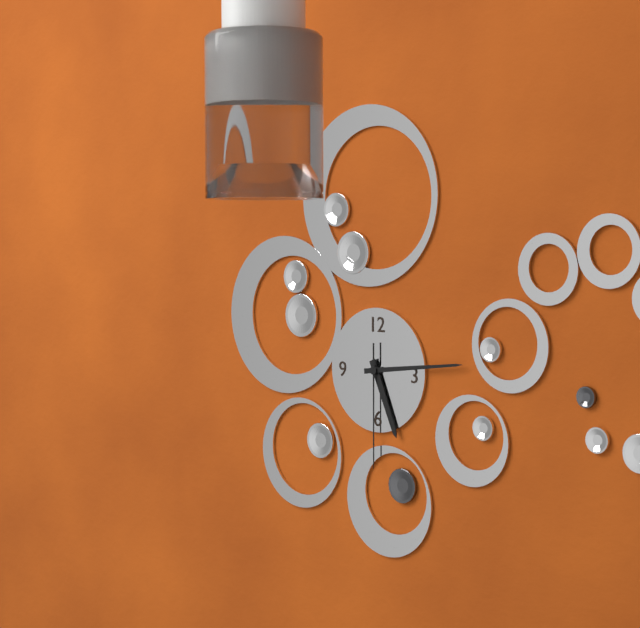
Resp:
h=5 m=14 s=30
